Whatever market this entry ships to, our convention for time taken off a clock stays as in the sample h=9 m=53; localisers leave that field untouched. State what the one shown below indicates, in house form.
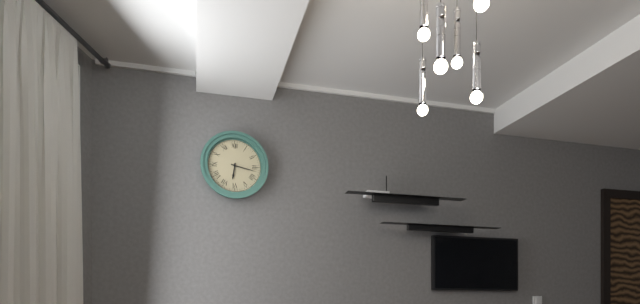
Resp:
h=6 m=17
